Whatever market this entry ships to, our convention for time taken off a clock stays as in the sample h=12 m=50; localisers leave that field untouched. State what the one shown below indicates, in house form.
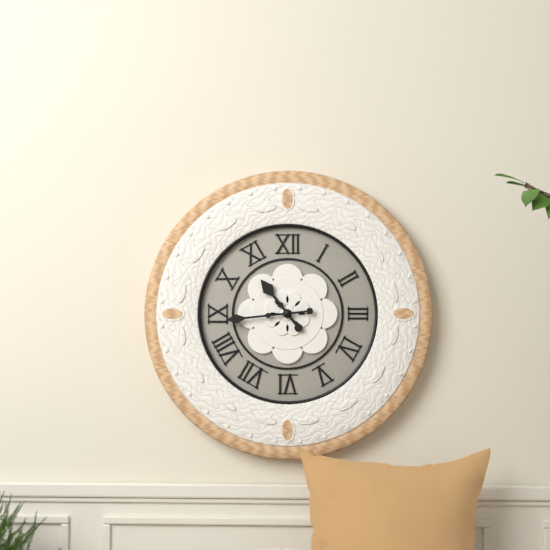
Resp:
h=10 m=44
